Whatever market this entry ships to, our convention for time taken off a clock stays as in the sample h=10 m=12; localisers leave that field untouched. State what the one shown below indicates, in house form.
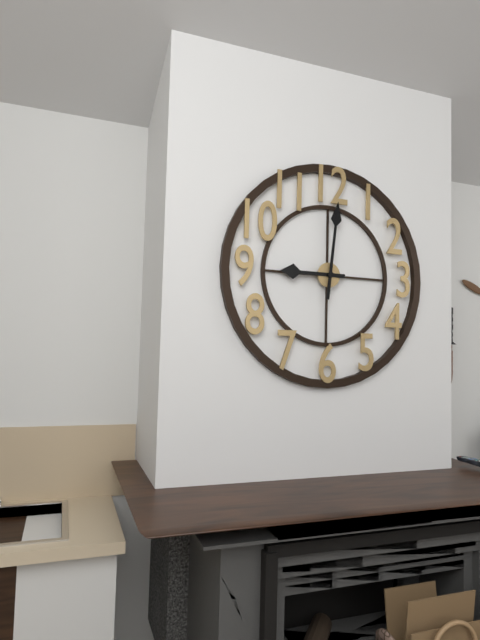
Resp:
h=9 m=1
